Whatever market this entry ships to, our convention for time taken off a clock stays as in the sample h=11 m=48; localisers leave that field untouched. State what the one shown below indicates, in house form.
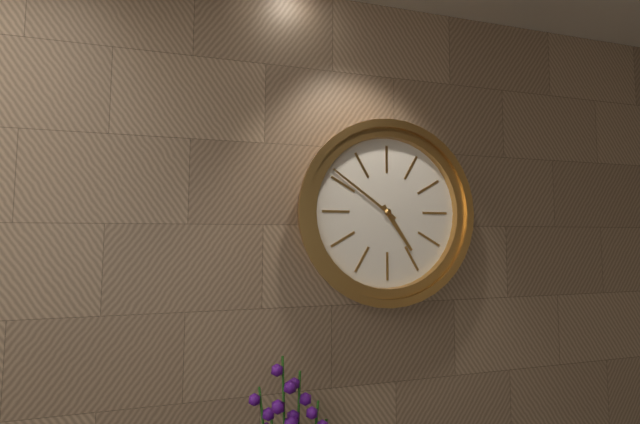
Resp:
h=4 m=51
